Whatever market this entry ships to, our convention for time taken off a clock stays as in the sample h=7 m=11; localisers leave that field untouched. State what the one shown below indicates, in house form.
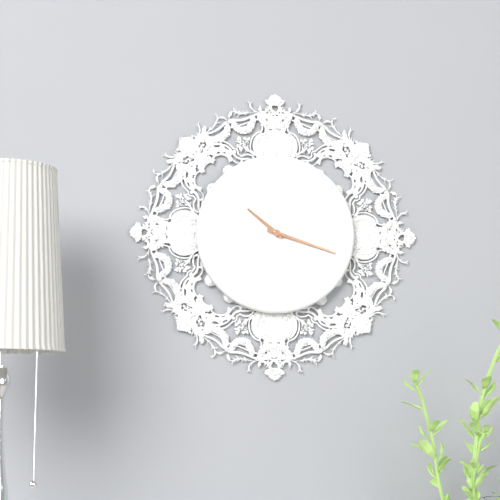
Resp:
h=10 m=18
